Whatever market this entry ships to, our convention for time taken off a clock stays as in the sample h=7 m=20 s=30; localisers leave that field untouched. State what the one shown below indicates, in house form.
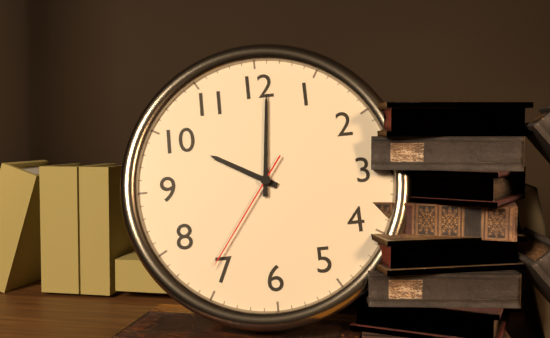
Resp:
h=10 m=1 s=36
